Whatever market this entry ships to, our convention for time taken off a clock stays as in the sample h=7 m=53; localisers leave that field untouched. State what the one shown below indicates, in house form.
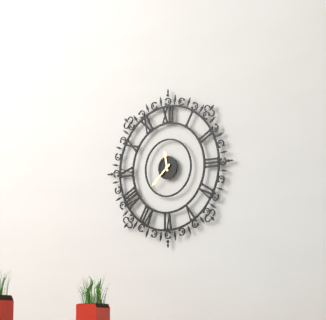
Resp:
h=11 m=38
